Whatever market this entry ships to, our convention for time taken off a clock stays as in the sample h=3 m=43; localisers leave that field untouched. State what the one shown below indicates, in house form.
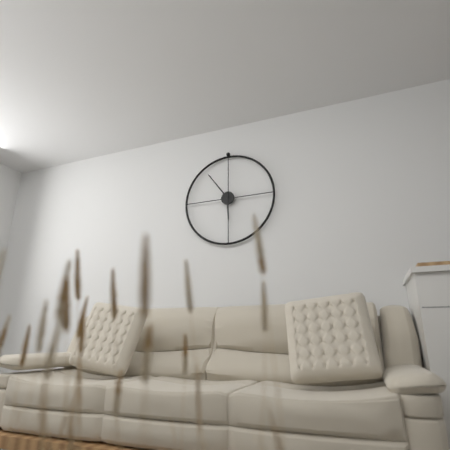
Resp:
h=5 m=54
